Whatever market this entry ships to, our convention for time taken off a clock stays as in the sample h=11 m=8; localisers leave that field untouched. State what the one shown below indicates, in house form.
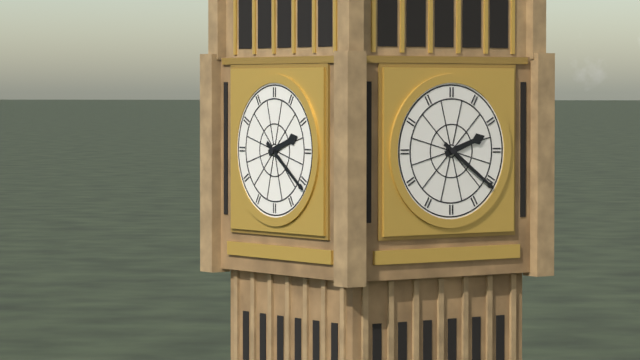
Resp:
h=2 m=21
